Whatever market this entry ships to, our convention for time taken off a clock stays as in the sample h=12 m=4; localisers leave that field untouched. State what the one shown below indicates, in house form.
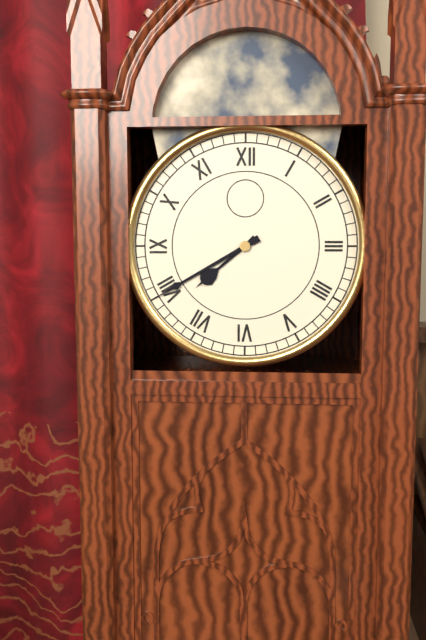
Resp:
h=7 m=40
